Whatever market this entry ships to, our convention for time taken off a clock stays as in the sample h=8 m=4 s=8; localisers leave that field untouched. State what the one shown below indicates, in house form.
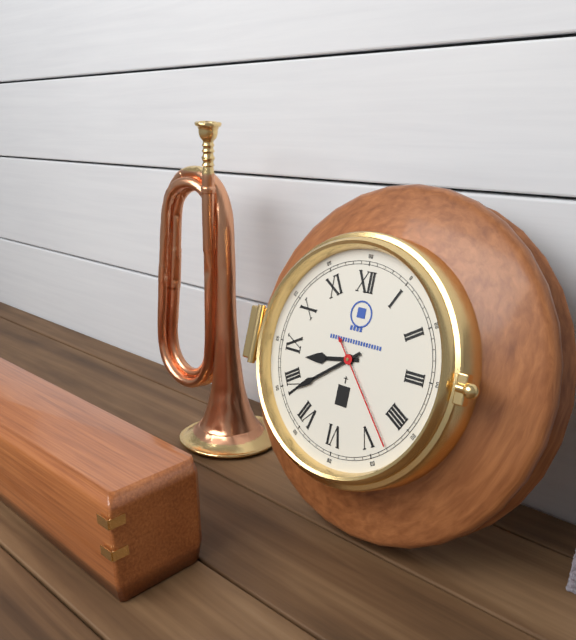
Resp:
h=8 m=39 s=23
